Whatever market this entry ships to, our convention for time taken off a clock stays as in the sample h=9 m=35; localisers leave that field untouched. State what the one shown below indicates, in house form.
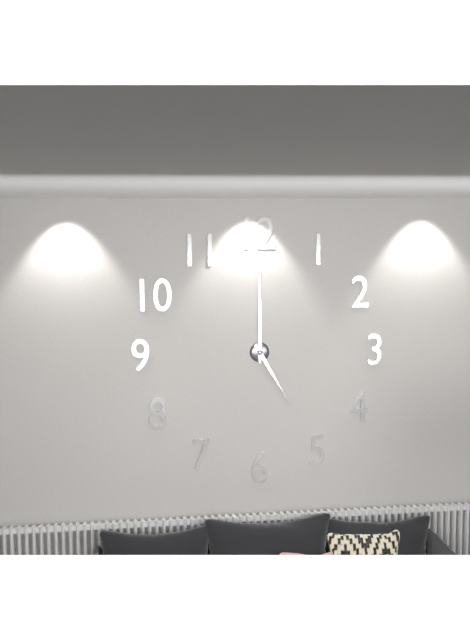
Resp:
h=5 m=0
